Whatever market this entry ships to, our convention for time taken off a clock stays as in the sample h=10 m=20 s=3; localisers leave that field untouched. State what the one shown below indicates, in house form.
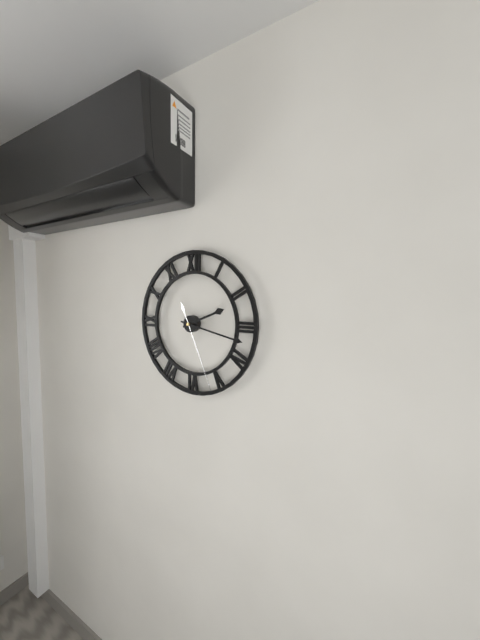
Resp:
h=2 m=17 s=26
